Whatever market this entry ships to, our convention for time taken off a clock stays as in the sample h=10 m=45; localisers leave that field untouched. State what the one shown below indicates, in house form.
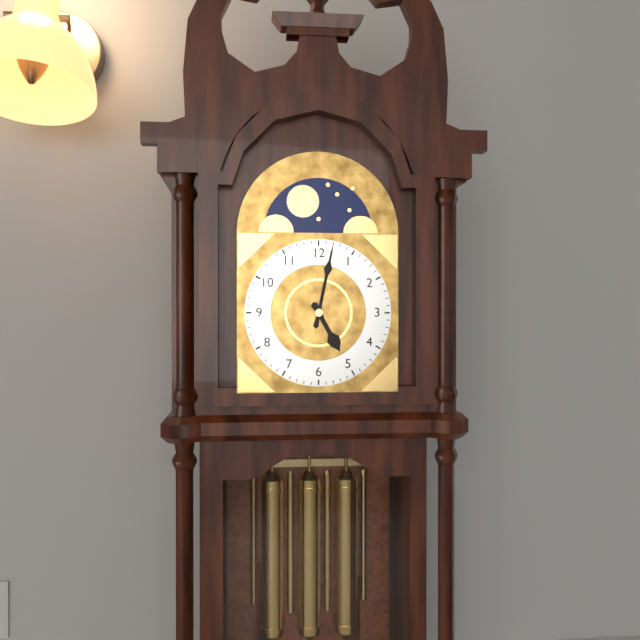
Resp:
h=5 m=2
